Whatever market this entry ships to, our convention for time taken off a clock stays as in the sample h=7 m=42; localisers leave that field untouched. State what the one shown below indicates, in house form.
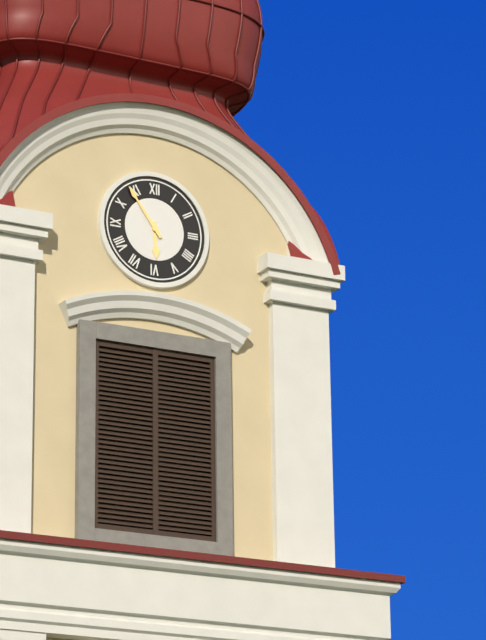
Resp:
h=5 m=54
